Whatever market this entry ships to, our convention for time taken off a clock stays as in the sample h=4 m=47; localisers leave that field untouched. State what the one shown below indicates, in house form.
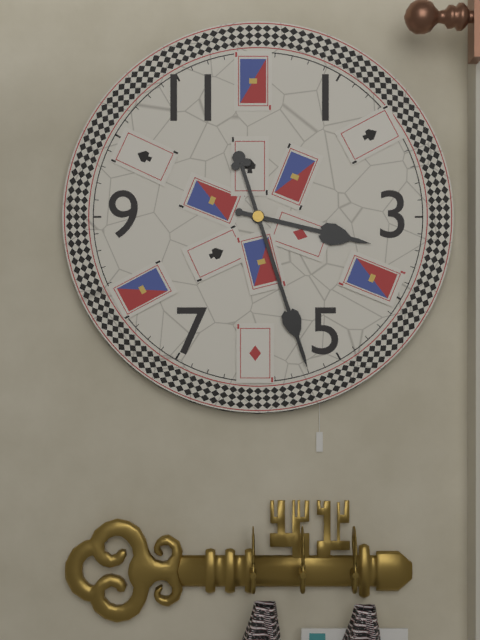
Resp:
h=3 m=27
